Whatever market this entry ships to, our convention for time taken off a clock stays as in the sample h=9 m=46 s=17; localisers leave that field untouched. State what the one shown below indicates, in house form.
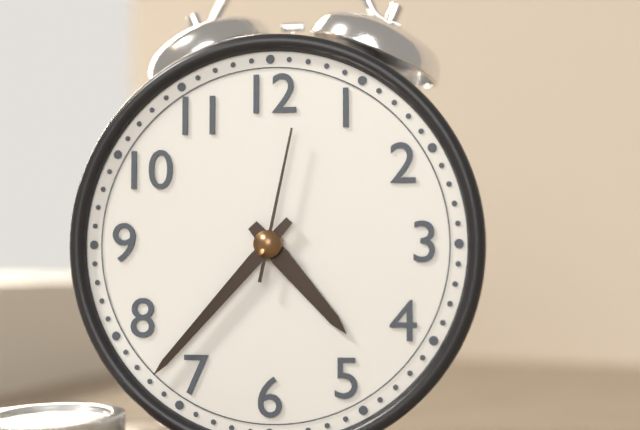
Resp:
h=4 m=37 s=2
